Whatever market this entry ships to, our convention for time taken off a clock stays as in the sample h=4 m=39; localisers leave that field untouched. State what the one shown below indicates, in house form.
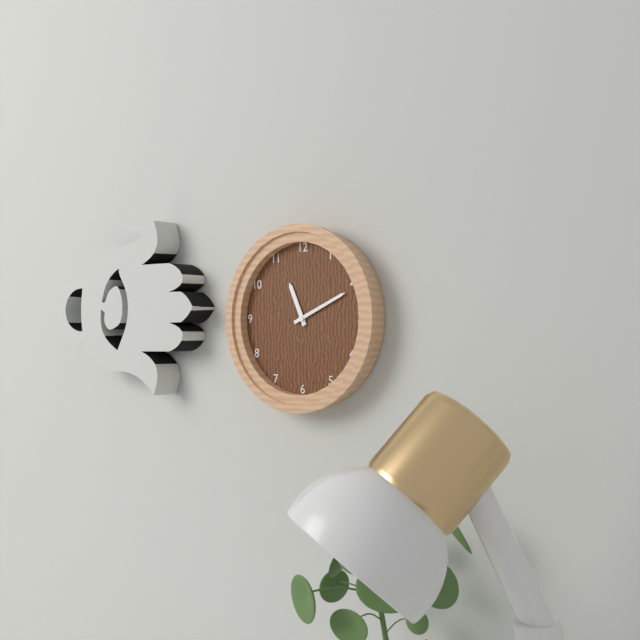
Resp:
h=11 m=11
